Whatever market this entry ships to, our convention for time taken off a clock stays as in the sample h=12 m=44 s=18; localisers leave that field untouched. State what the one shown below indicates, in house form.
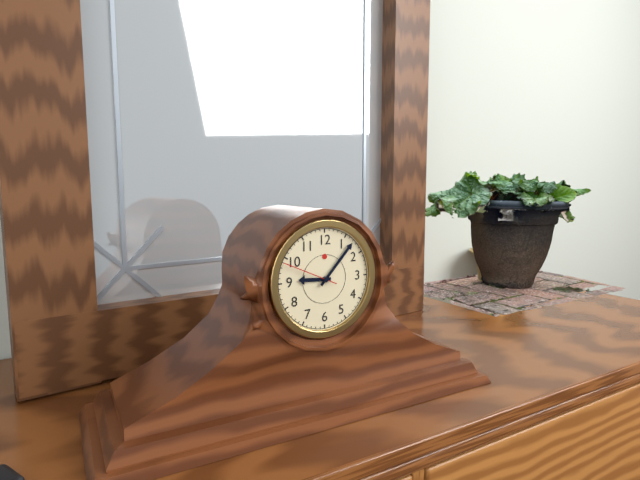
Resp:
h=9 m=7 s=49
